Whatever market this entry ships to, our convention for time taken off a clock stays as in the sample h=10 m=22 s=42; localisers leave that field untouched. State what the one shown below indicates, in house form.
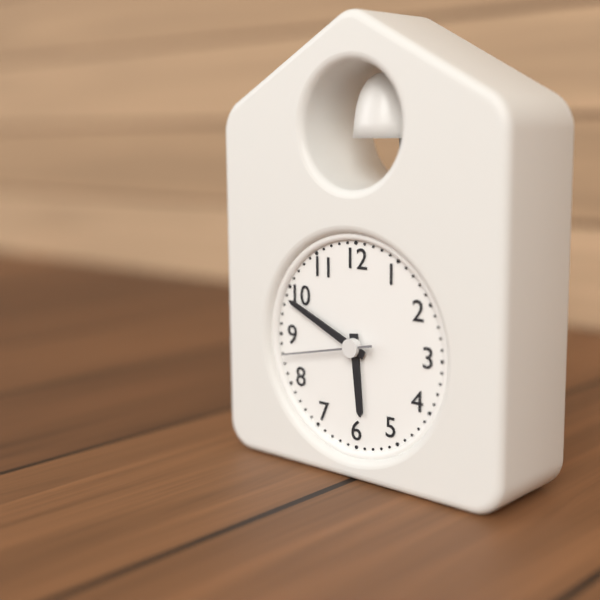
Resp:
h=5 m=49 s=43
